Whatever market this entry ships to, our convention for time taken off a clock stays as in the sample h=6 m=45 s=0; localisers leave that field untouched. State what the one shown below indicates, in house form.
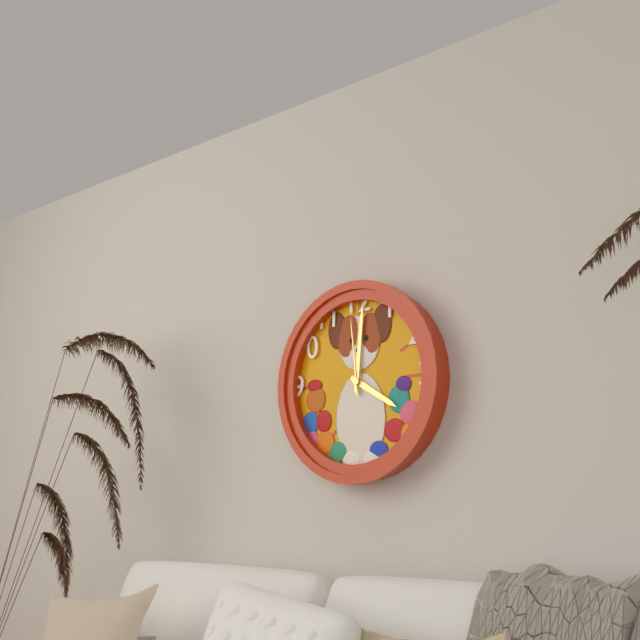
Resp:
h=4 m=1 s=59
